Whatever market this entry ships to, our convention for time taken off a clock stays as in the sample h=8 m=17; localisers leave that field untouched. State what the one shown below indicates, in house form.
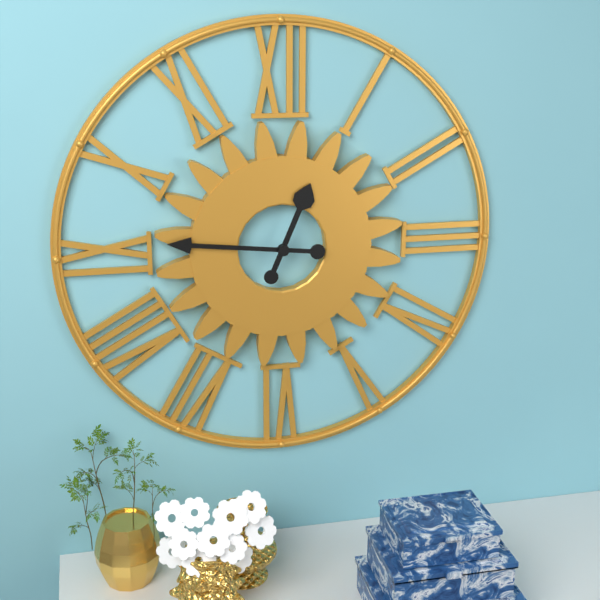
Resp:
h=12 m=46
